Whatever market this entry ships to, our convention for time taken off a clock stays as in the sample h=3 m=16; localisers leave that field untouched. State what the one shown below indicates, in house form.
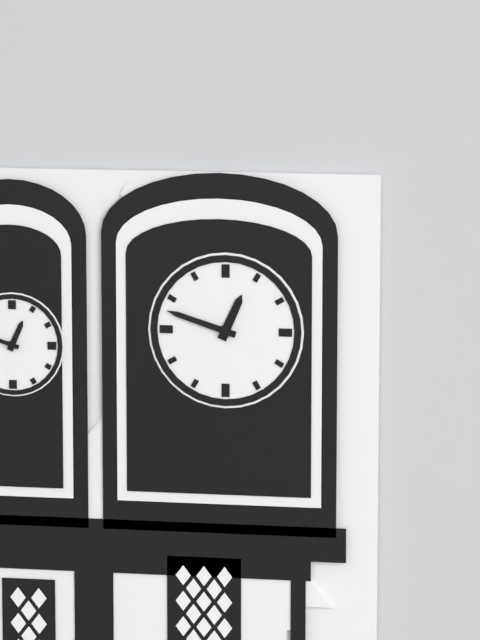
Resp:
h=12 m=48
